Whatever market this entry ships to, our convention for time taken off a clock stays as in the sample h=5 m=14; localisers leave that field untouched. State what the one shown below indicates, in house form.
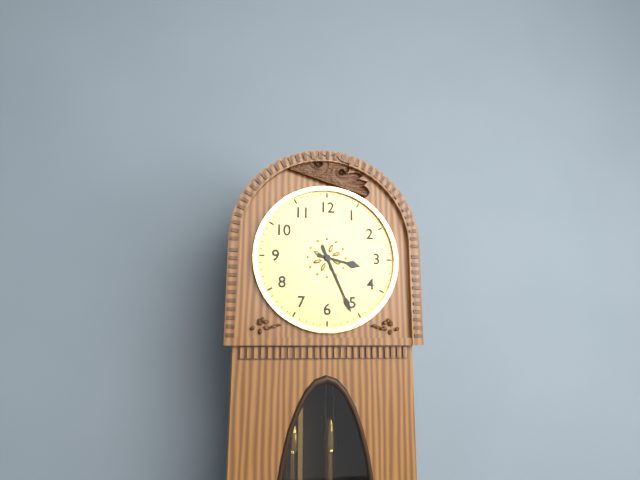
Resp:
h=3 m=26
